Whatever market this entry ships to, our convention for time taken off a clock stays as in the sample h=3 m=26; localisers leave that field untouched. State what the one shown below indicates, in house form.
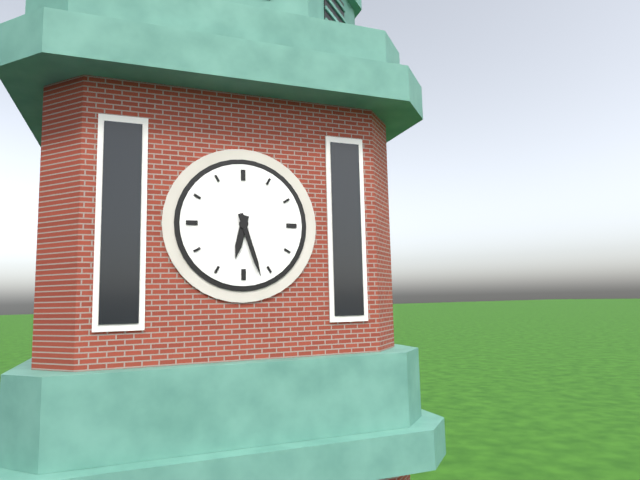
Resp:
h=6 m=27
